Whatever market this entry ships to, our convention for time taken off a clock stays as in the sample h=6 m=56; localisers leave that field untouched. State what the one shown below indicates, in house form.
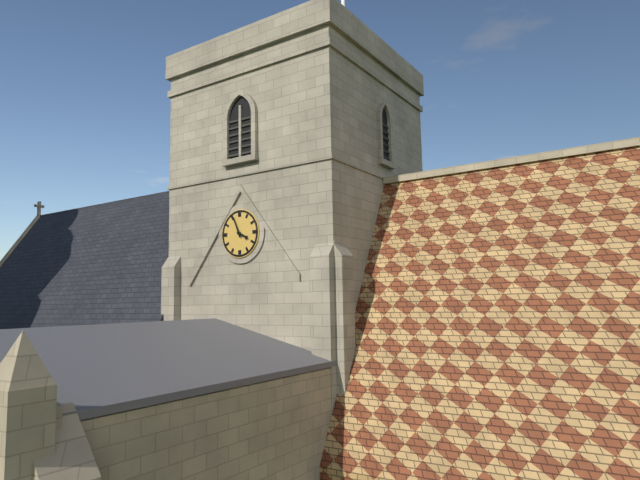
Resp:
h=3 m=56
